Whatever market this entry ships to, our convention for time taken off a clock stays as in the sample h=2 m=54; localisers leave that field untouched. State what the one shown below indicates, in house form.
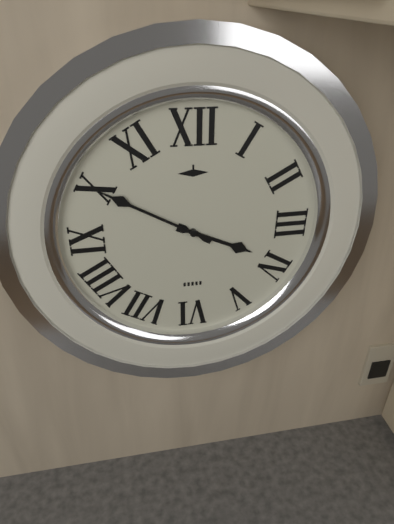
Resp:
h=3 m=50
